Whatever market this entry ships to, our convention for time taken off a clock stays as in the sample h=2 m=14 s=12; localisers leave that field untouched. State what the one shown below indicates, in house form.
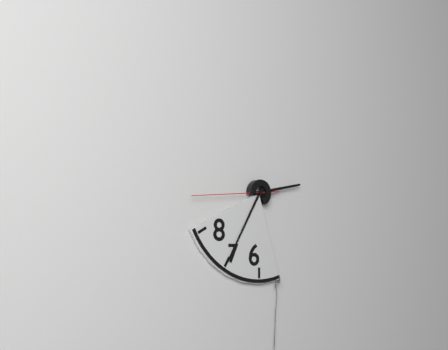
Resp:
h=2 m=35 s=44
